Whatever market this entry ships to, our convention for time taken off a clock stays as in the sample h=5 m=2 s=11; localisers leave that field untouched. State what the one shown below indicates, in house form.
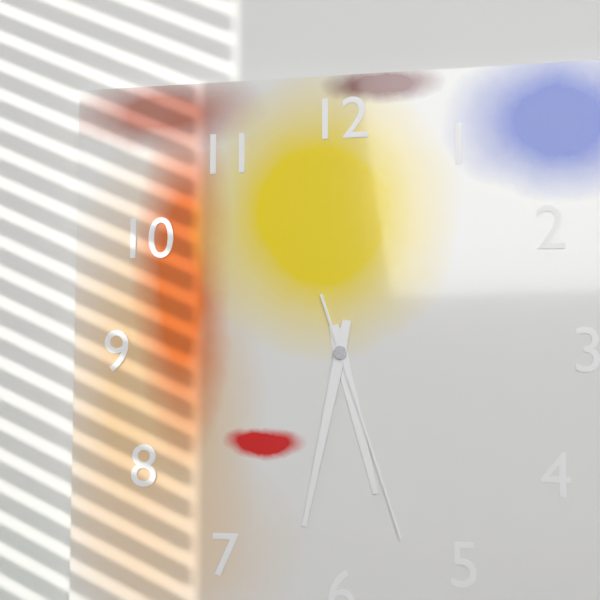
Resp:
h=5 m=32 s=27
